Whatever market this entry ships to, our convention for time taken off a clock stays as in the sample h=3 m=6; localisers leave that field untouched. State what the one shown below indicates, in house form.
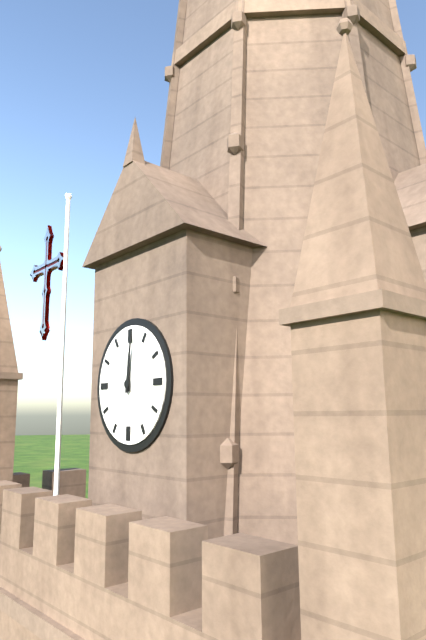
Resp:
h=12 m=1
